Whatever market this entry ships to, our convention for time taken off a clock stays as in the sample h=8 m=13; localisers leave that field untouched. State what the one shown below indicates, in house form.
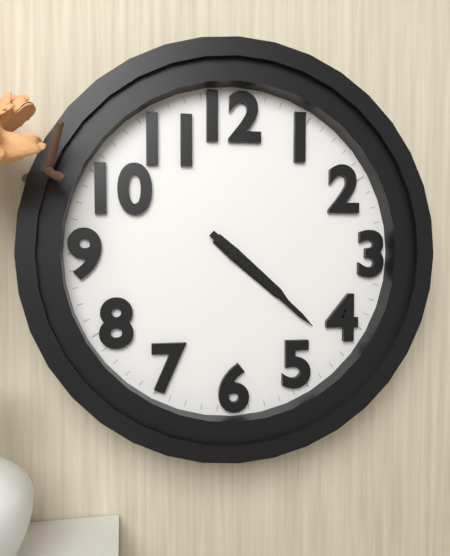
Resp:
h=4 m=22
